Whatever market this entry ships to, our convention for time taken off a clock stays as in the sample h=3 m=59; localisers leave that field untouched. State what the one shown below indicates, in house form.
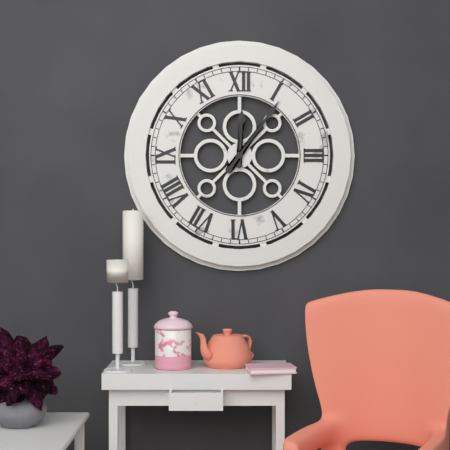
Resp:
h=12 m=6
